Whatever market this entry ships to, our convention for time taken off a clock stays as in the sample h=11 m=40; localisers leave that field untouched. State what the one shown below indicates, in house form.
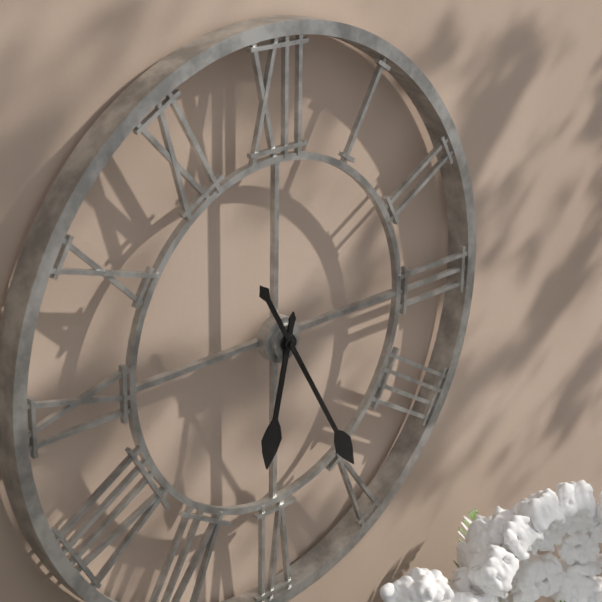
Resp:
h=6 m=25
